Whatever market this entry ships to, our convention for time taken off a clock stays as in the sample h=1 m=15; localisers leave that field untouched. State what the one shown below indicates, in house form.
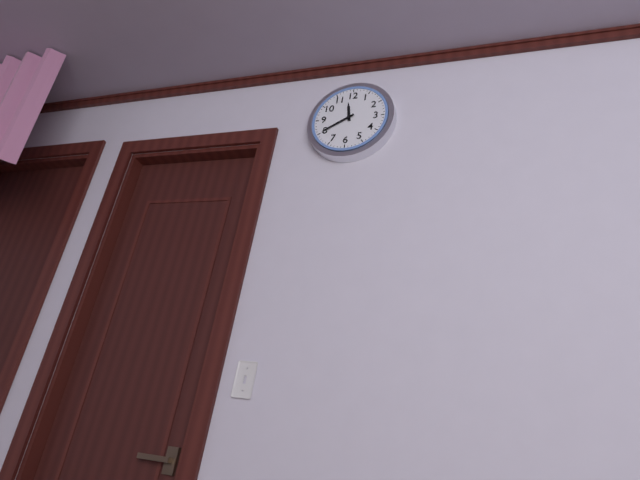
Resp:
h=11 m=40
